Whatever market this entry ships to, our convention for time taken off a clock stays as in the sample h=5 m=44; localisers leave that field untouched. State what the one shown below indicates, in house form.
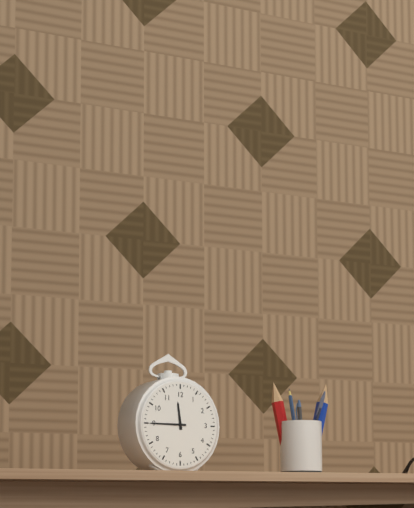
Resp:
h=11 m=45
